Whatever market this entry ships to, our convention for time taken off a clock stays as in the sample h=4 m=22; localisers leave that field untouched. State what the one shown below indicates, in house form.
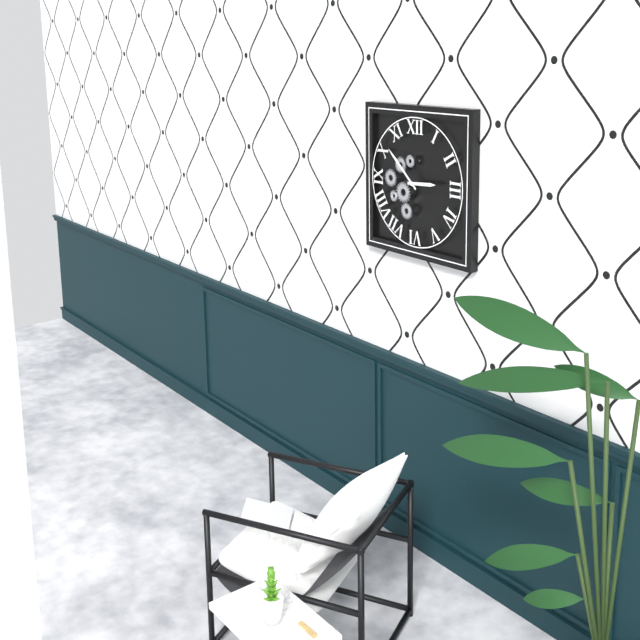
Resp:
h=2 m=52
